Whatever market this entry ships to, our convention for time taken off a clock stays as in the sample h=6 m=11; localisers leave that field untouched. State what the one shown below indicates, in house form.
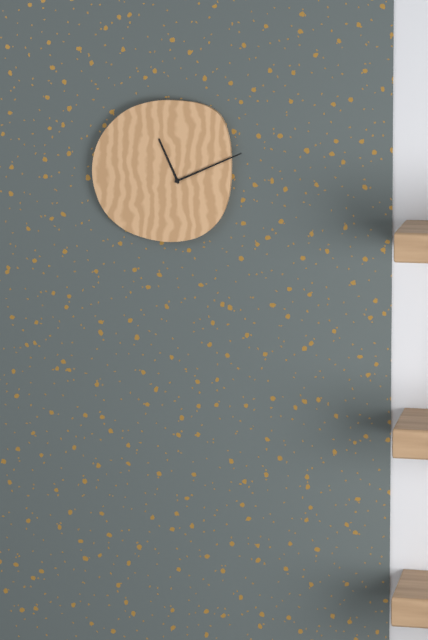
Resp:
h=11 m=11
